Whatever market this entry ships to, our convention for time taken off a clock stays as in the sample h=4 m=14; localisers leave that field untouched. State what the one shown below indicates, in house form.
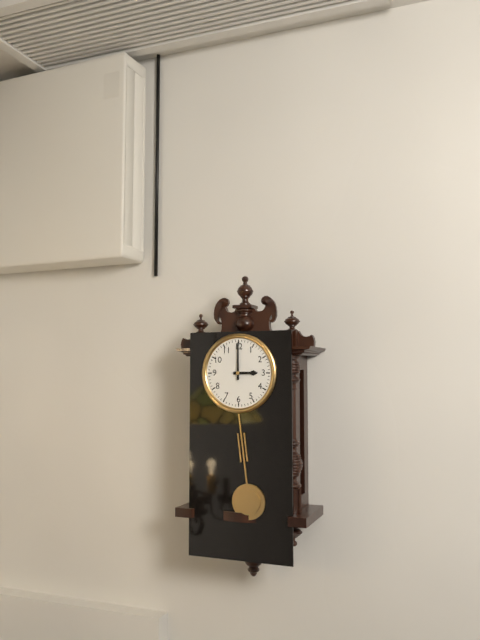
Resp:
h=3 m=0
